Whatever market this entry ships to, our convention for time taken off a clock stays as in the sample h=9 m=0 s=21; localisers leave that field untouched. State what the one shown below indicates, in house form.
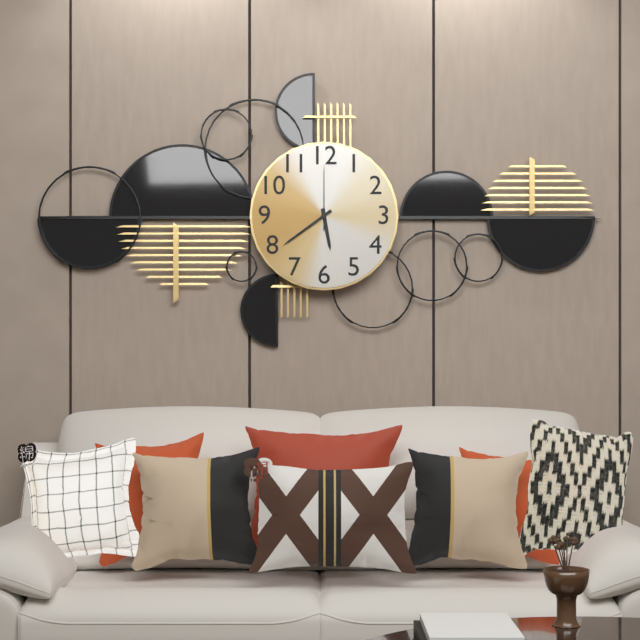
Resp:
h=5 m=39 s=0
